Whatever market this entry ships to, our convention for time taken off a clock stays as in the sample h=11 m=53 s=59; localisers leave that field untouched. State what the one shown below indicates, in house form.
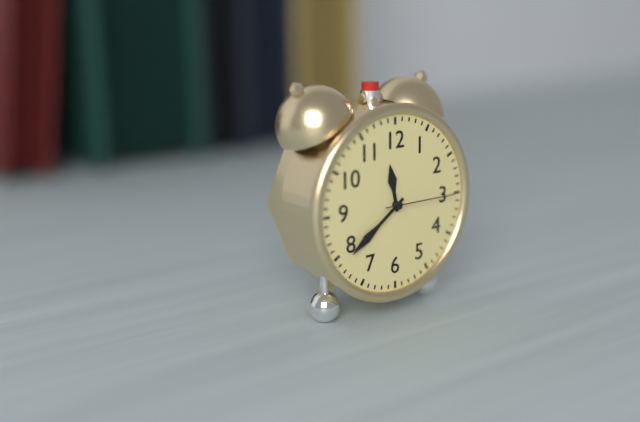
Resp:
h=11 m=39 s=15
